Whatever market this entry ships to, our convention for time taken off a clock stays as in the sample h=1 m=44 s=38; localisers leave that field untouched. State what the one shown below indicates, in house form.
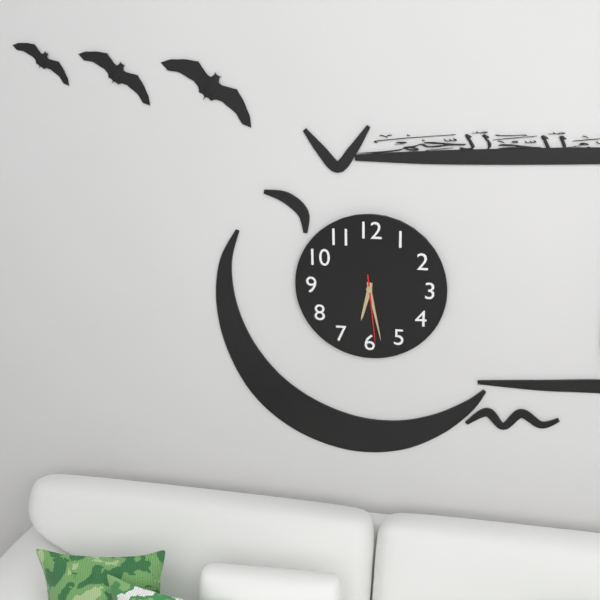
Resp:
h=6 m=28 s=29
